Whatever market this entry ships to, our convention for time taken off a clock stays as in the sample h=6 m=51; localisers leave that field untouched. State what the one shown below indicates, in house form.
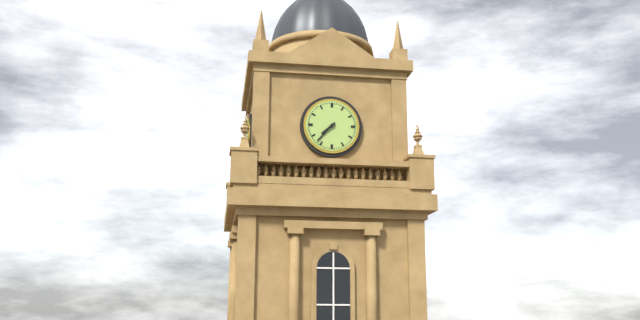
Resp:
h=7 m=37
